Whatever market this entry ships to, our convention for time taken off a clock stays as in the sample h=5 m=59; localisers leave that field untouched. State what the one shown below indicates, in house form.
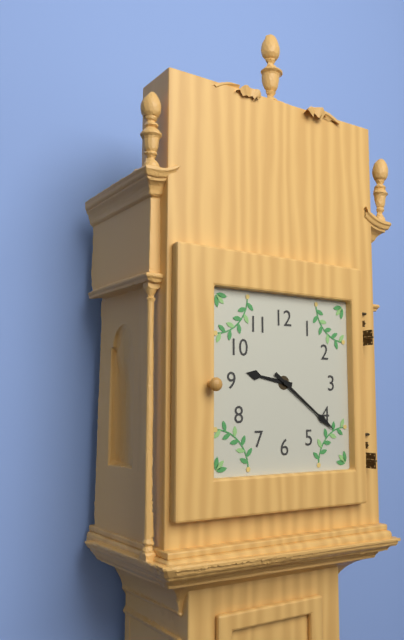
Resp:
h=9 m=21
